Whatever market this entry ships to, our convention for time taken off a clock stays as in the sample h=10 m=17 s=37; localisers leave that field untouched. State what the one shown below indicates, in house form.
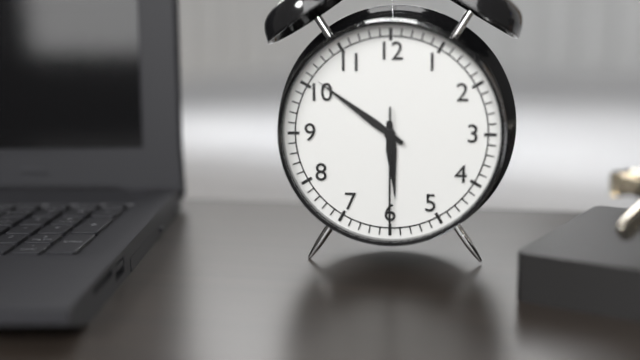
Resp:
h=5 m=51 s=30
